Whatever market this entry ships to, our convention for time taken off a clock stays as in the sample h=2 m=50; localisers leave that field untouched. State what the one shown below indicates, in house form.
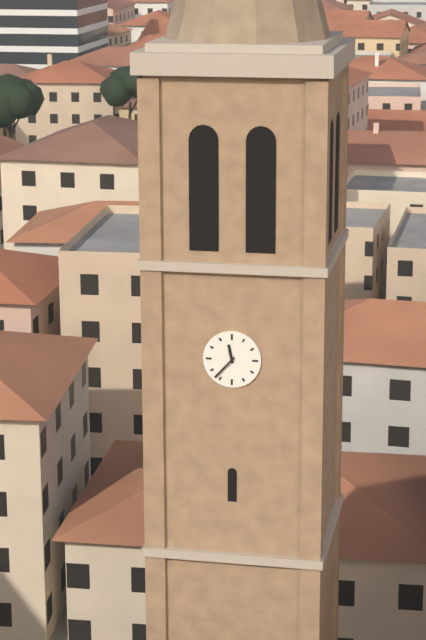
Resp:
h=11 m=37
